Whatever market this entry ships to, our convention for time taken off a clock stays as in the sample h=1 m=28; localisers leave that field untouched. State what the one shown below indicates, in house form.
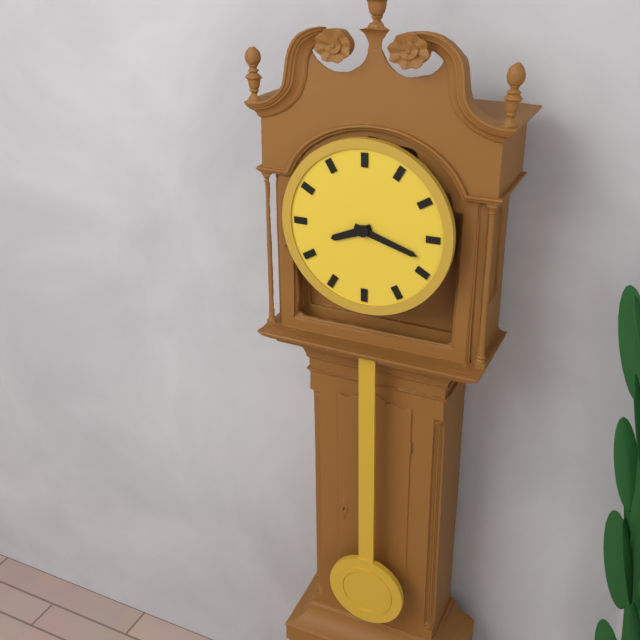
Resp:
h=8 m=18
